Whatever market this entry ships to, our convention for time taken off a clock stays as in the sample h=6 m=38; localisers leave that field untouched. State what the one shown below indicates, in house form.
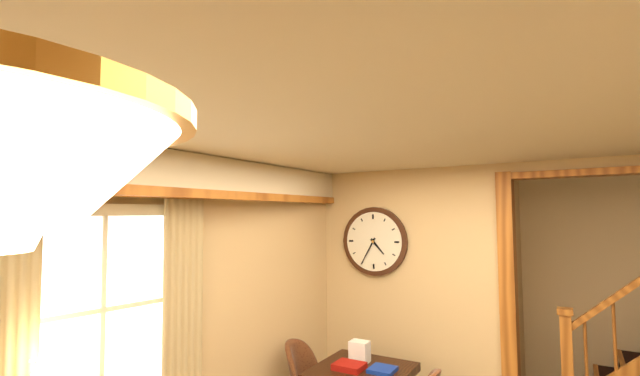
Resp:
h=4 m=35
